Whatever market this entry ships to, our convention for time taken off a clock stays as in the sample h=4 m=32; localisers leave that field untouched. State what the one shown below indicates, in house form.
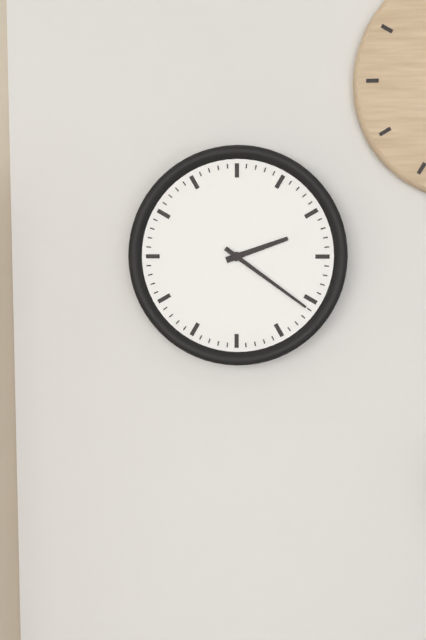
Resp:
h=2 m=21
